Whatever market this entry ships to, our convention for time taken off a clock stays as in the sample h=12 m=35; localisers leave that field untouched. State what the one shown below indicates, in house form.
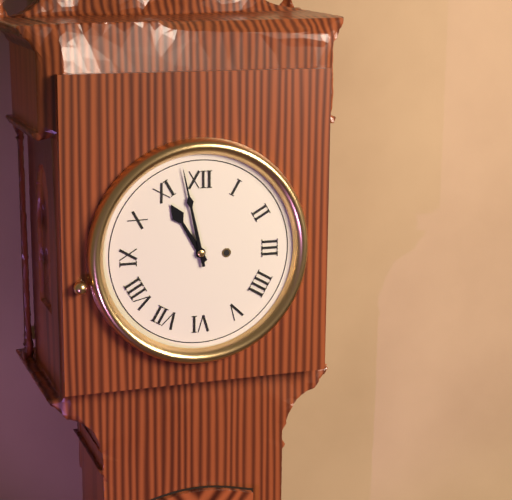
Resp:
h=10 m=58
